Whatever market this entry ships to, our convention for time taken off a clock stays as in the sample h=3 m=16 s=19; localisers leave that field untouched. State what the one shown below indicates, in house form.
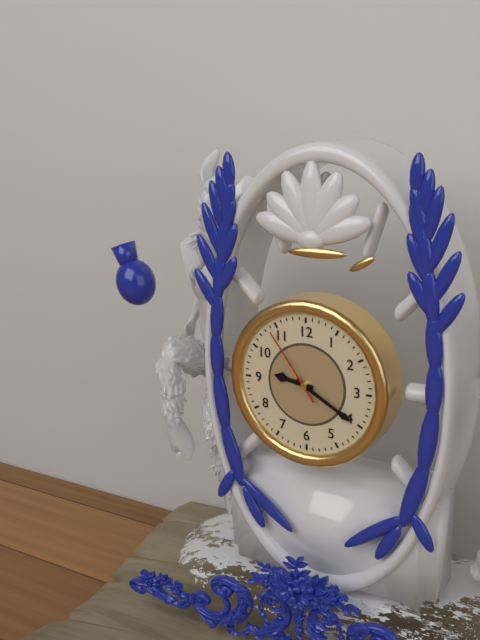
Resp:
h=9 m=20 s=54
